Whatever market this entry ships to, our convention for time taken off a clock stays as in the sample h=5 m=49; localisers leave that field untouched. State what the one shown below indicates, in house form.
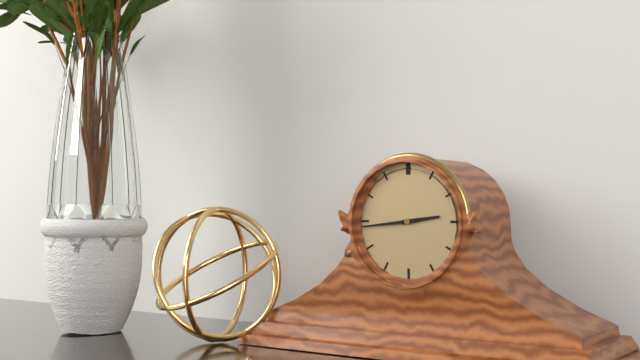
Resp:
h=2 m=44
